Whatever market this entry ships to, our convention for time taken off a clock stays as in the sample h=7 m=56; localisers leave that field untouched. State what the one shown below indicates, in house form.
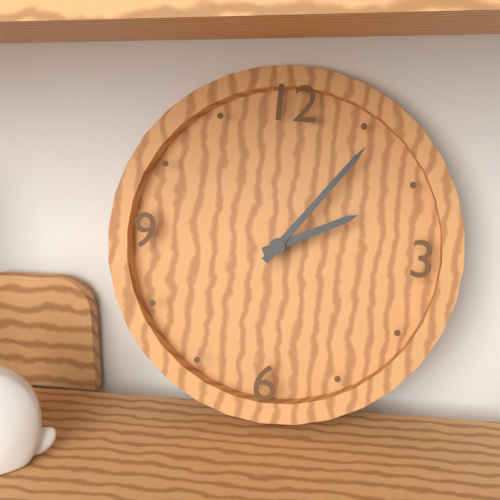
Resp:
h=2 m=6
